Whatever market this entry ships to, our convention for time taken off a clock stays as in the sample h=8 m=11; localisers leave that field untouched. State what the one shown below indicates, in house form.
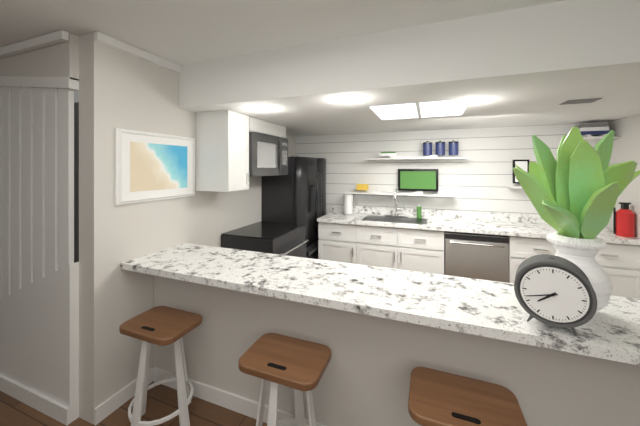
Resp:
h=7 m=42
